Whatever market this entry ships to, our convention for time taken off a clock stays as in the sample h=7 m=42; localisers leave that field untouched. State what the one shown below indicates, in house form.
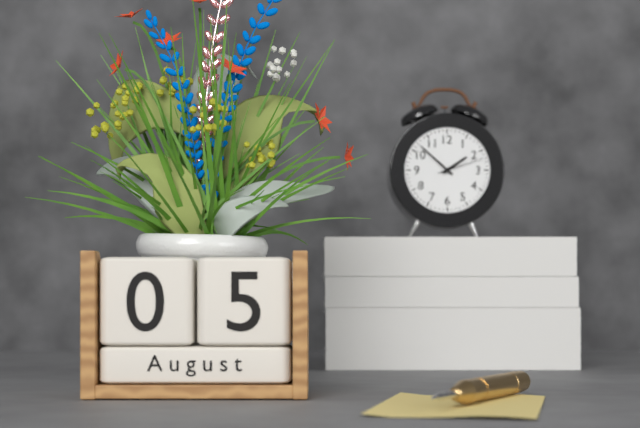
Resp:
h=1 m=52
